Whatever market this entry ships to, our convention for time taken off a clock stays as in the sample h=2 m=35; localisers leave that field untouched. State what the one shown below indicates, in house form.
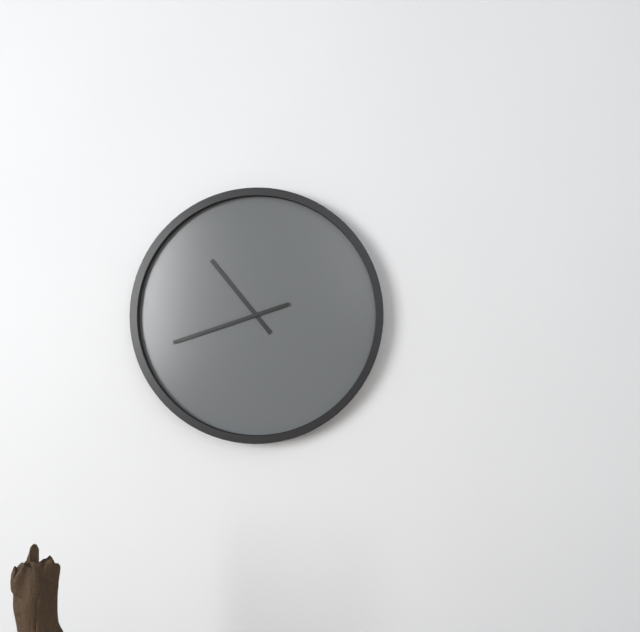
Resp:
h=10 m=42
